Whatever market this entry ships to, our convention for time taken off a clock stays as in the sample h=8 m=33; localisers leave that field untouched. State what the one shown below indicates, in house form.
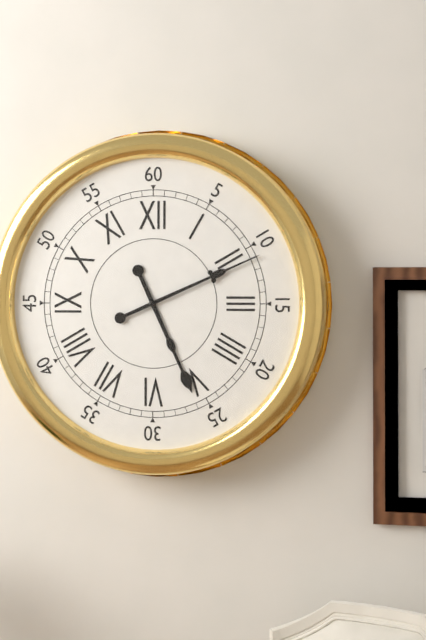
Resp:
h=5 m=11
